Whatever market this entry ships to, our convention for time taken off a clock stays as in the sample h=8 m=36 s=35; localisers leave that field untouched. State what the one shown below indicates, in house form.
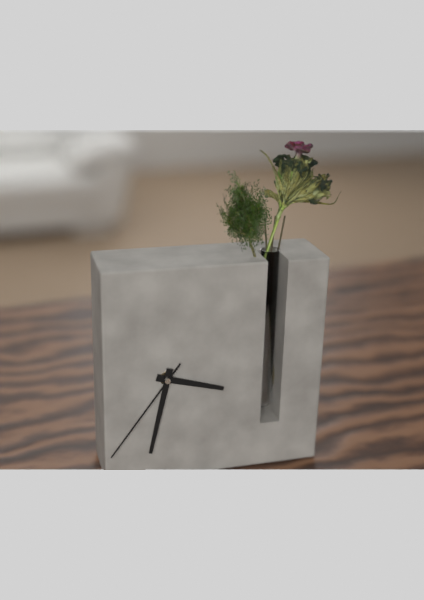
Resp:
h=3 m=32 s=36
